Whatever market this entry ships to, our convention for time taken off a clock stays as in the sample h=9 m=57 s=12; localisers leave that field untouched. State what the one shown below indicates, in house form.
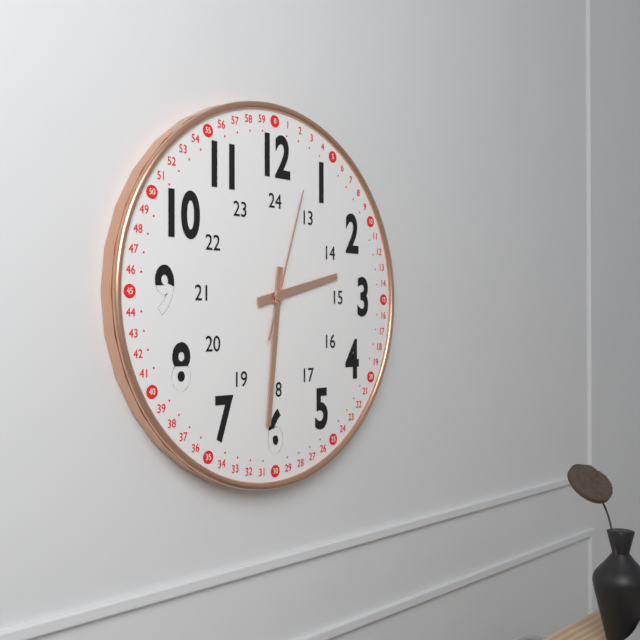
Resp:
h=2 m=31 s=3
